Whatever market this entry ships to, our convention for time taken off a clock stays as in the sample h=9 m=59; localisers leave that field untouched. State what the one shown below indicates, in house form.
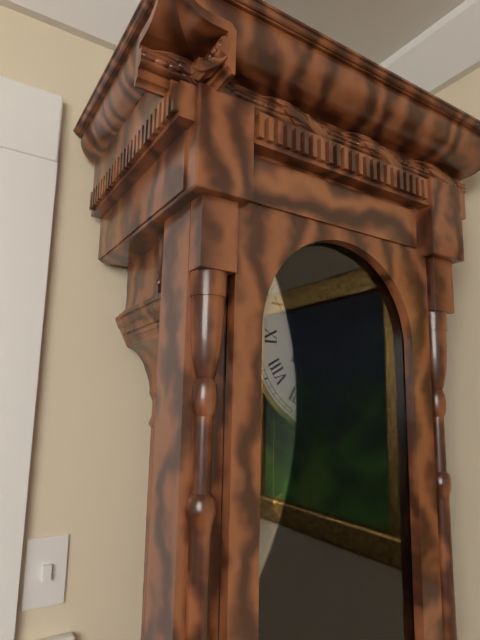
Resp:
h=8 m=5
